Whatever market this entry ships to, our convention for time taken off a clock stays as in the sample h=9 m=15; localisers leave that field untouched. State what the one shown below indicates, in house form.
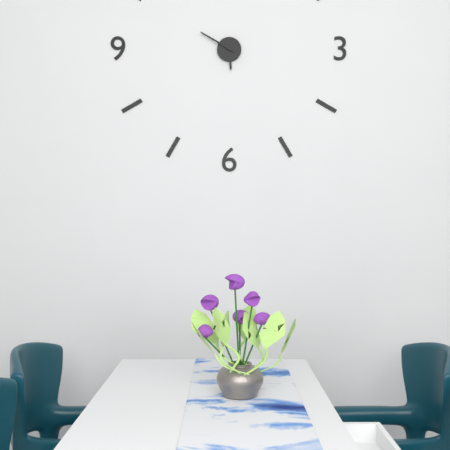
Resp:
h=5 m=50
